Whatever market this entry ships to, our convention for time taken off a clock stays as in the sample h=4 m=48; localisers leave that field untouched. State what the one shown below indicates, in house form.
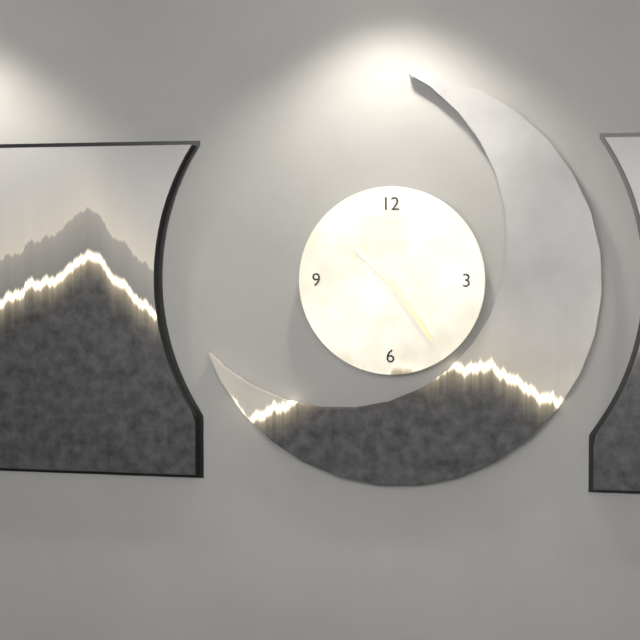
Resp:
h=10 m=24
